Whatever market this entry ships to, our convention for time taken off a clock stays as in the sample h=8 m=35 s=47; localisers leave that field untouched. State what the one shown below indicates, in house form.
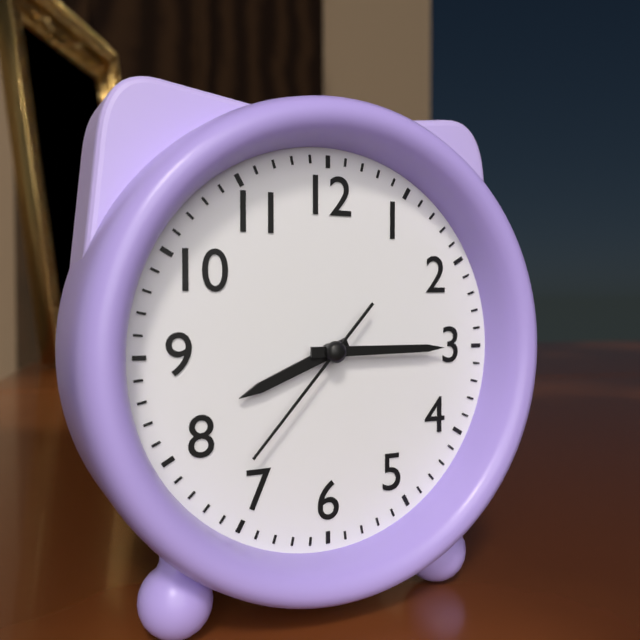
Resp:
h=8 m=15 s=37
